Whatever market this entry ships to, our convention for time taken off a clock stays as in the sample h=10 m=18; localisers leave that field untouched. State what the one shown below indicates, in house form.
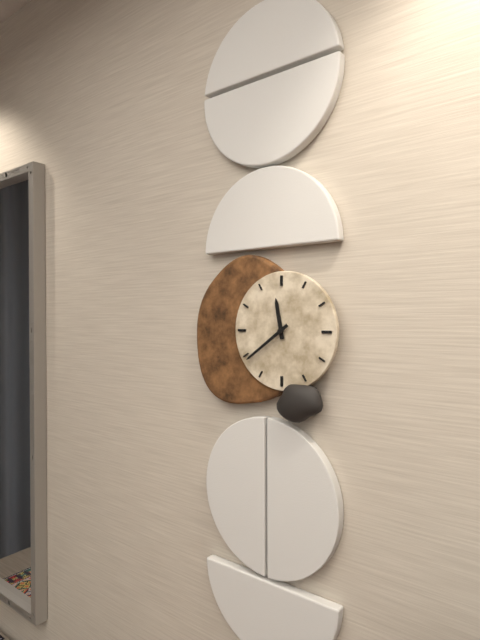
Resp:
h=11 m=39
